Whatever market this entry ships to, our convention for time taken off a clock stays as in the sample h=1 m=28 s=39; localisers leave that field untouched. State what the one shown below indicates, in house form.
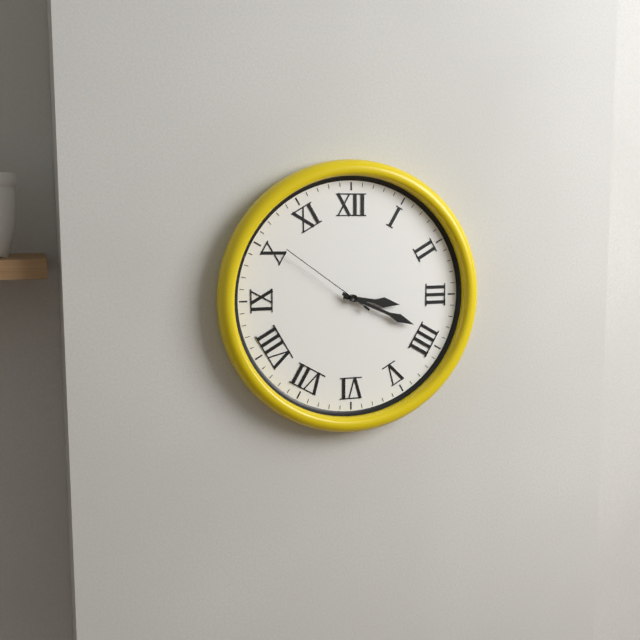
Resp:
h=3 m=19 s=51
